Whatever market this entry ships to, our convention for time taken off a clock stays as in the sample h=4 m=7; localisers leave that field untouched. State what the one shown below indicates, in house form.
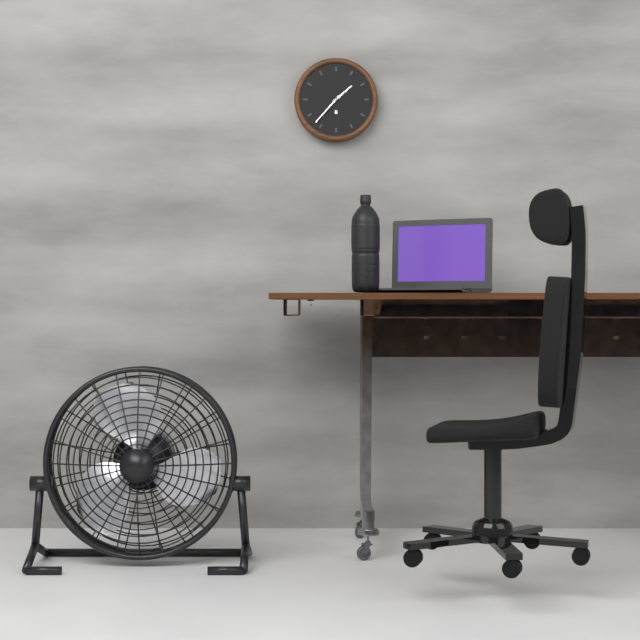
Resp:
h=1 m=37
